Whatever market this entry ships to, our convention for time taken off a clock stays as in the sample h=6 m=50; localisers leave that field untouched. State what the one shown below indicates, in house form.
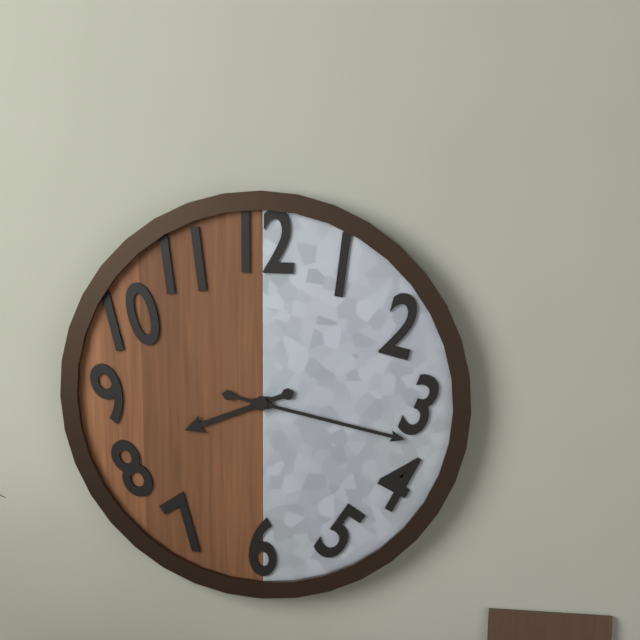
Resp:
h=8 m=17
